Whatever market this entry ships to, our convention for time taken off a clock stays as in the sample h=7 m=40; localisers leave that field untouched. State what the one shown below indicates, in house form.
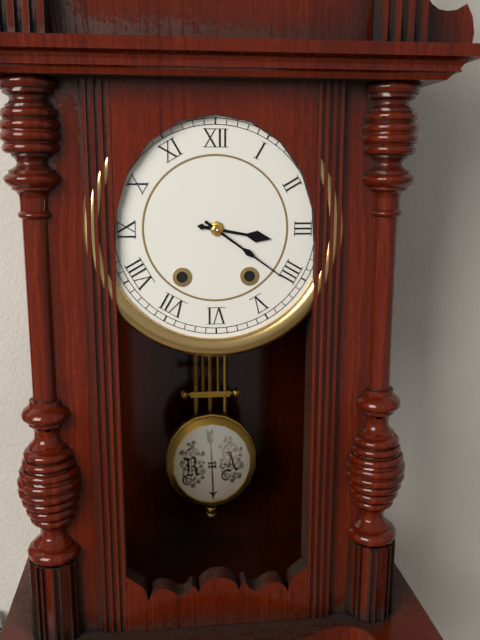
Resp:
h=3 m=21
